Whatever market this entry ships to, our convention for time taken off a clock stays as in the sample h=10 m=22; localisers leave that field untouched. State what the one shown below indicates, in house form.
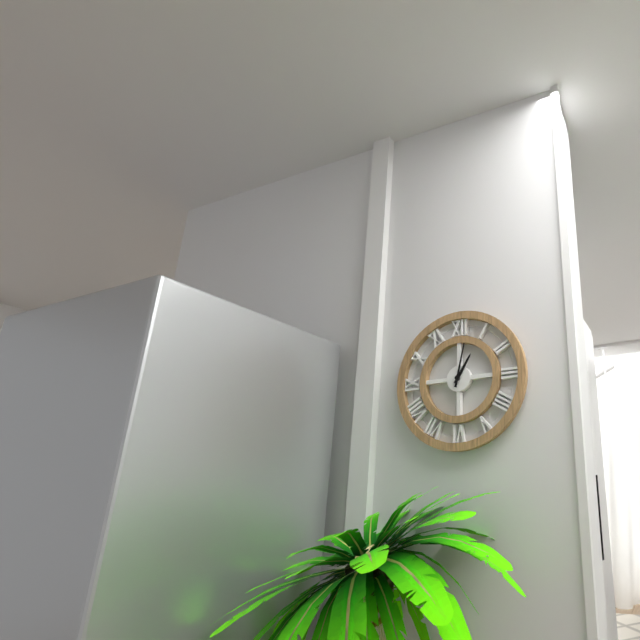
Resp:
h=1 m=2
